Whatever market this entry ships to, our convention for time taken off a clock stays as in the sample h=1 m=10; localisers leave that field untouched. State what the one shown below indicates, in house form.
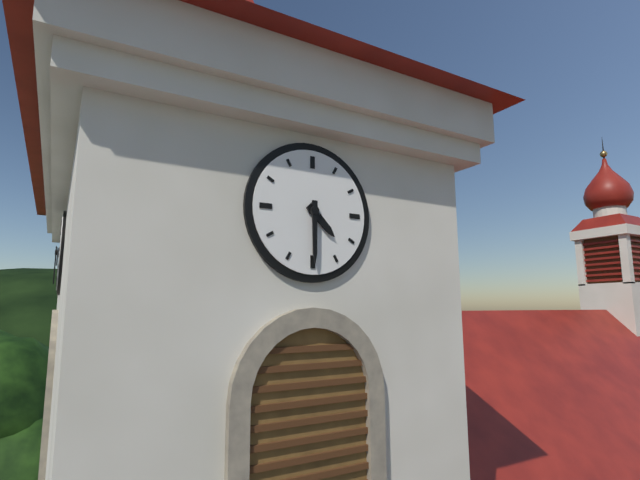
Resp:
h=4 m=30
